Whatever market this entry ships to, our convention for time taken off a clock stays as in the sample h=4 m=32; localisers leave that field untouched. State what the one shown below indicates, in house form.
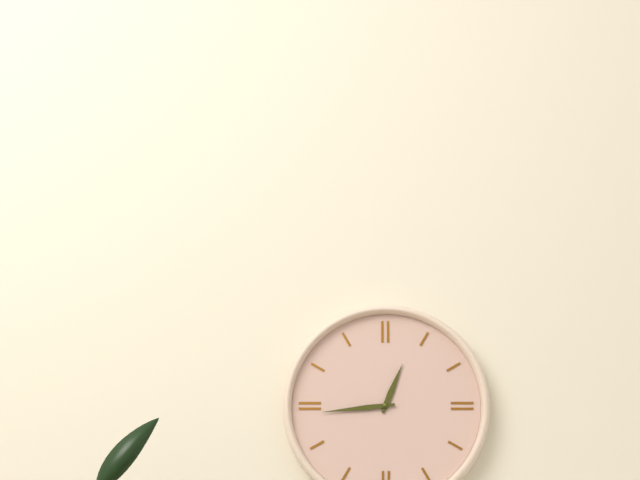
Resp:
h=12 m=44
